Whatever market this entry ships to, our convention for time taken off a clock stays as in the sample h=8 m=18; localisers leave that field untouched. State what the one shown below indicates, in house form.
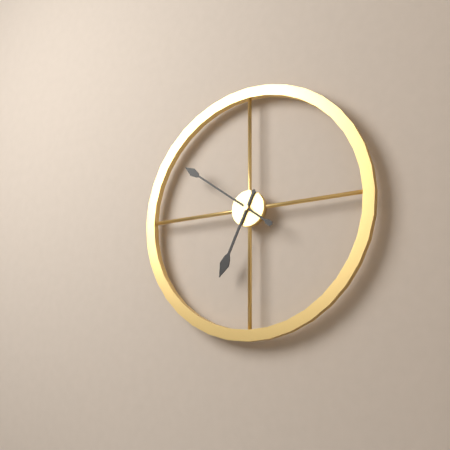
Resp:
h=6 m=51
